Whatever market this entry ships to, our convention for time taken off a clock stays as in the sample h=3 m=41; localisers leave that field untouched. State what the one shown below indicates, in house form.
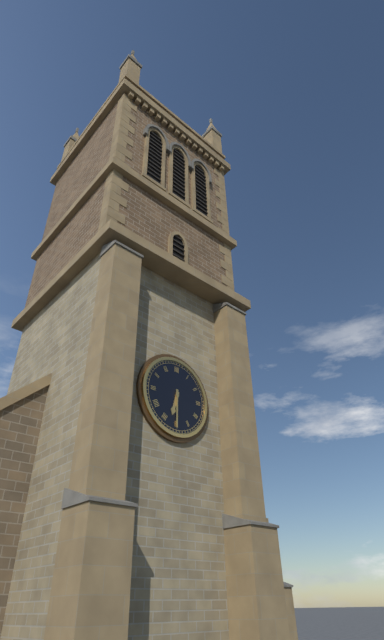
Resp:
h=6 m=30
